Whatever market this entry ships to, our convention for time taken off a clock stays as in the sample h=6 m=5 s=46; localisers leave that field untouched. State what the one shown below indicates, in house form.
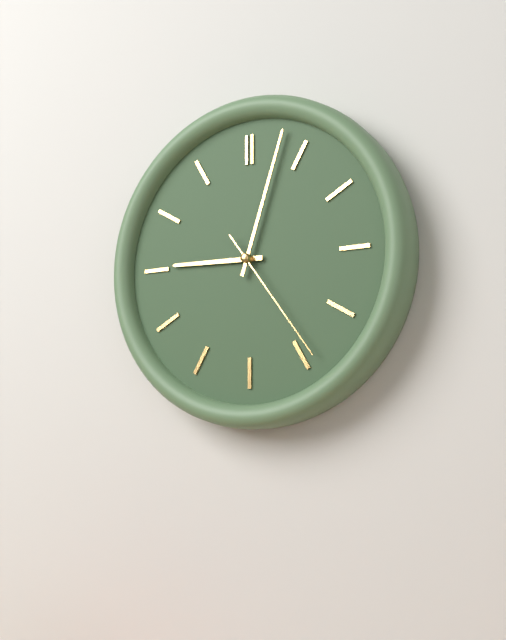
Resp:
h=9 m=3 s=24
